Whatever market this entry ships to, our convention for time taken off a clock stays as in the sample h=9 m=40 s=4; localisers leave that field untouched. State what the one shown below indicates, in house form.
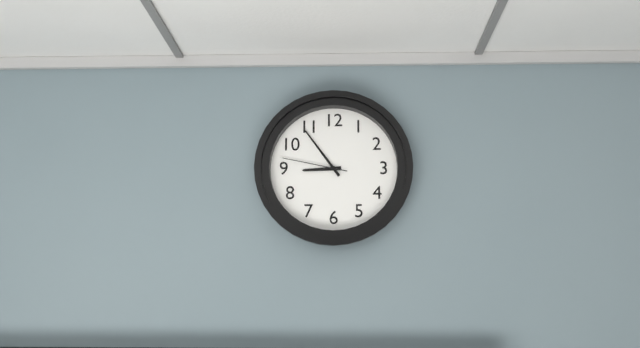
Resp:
h=8 m=54 s=47
